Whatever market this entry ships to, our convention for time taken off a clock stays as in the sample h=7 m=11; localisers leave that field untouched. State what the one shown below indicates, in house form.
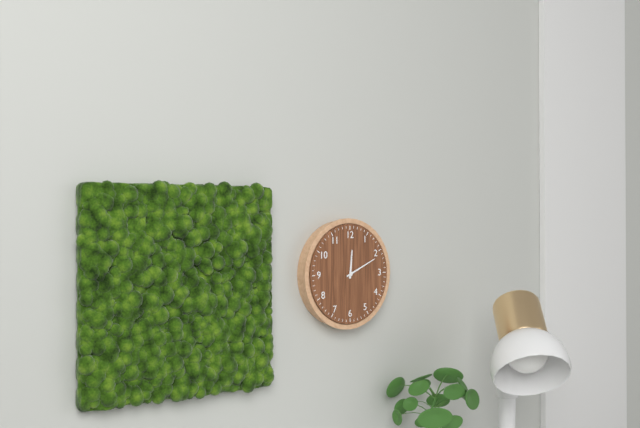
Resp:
h=12 m=11
